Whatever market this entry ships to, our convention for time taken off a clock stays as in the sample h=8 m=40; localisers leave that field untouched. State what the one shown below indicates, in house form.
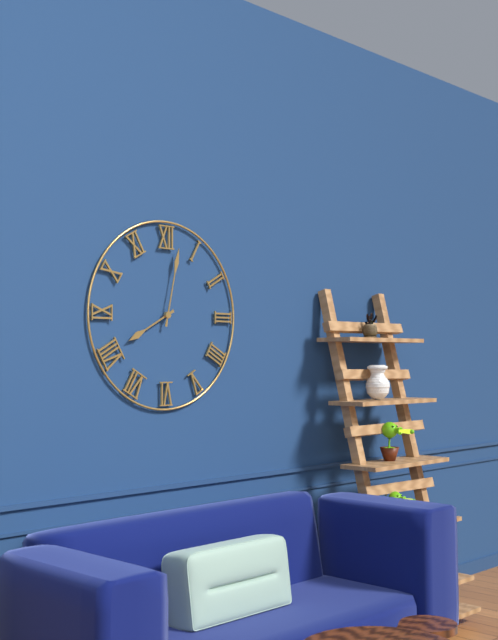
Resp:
h=8 m=2
